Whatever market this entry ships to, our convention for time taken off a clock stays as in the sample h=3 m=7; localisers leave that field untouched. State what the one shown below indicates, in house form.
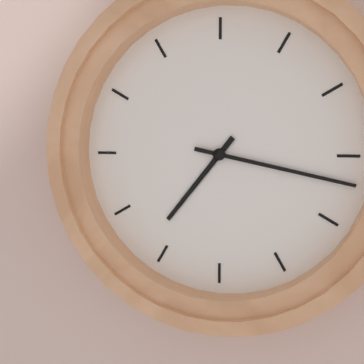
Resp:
h=7 m=17
